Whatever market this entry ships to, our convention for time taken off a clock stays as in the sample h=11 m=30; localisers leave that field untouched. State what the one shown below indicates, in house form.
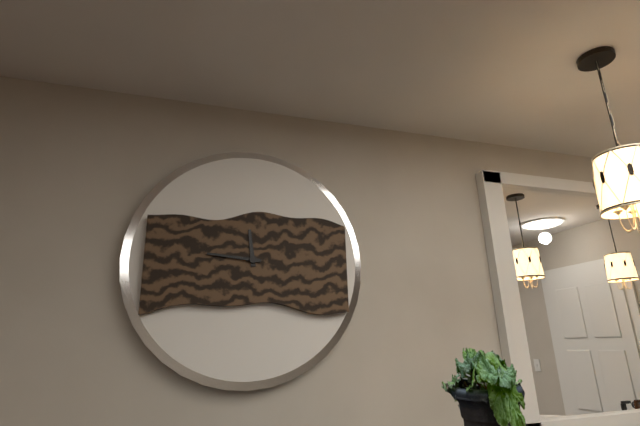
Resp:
h=11 m=46
